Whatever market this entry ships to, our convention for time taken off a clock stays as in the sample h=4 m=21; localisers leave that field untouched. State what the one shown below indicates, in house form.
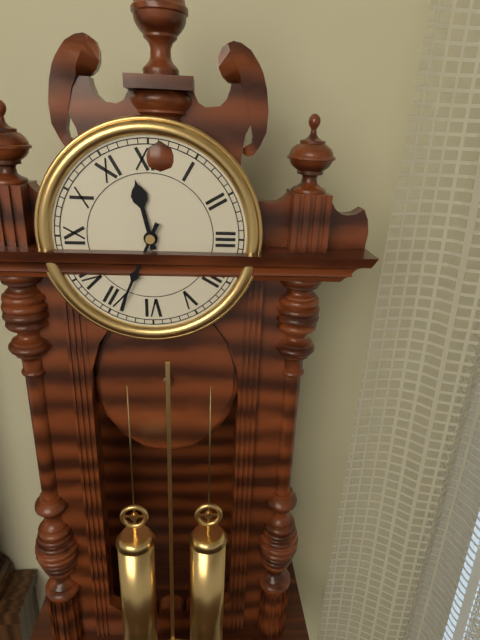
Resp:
h=11 m=34
